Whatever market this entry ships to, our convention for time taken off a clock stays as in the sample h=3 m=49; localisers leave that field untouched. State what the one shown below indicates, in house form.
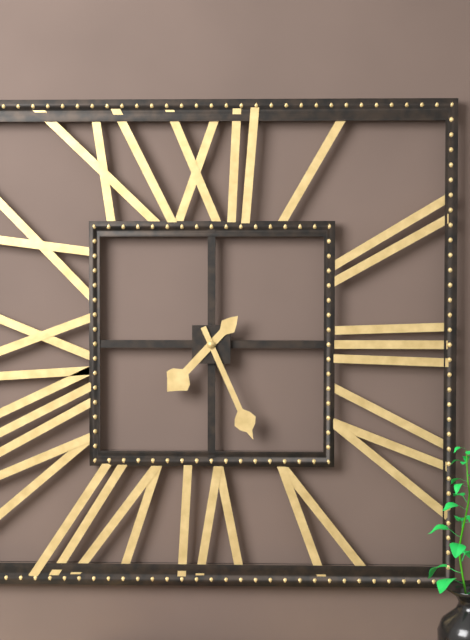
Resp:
h=7 m=26
